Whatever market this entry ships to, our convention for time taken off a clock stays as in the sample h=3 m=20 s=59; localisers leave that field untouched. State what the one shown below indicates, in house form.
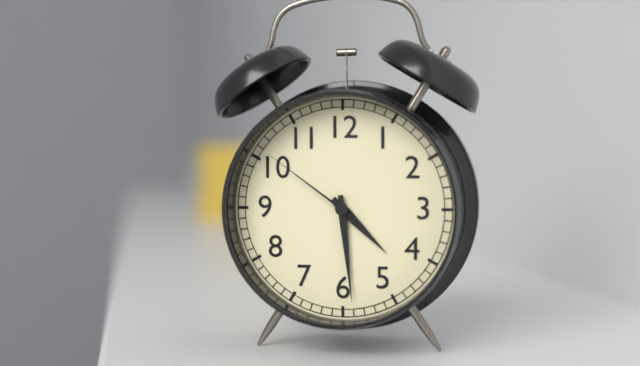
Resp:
h=4 m=29 s=51
